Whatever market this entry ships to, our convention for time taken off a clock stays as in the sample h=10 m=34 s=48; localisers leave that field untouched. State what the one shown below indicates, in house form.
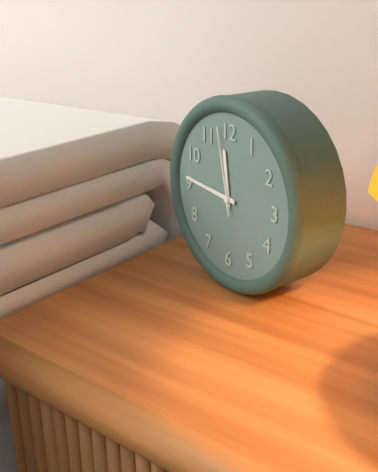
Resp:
h=11 m=46 s=58
